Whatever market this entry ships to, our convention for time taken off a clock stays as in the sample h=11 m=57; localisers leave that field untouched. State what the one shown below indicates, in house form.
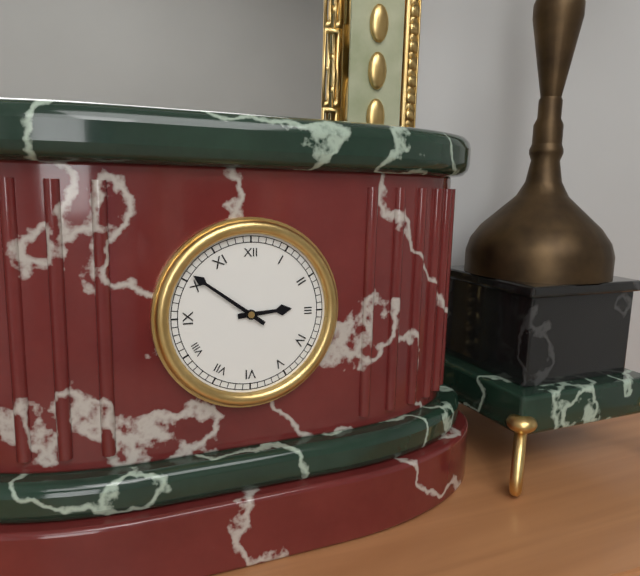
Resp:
h=2 m=51
